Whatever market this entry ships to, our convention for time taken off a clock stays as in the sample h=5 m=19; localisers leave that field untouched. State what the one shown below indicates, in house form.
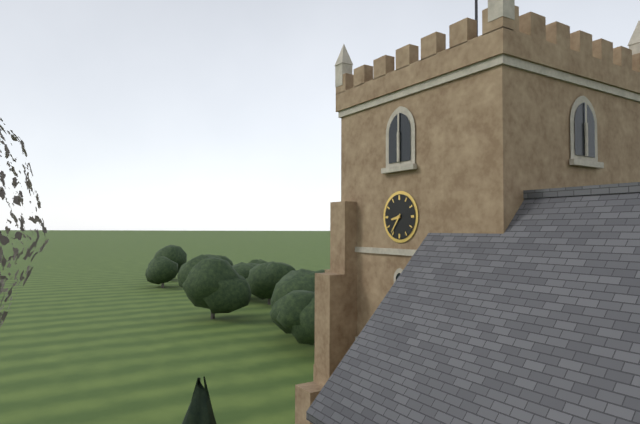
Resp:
h=8 m=36
